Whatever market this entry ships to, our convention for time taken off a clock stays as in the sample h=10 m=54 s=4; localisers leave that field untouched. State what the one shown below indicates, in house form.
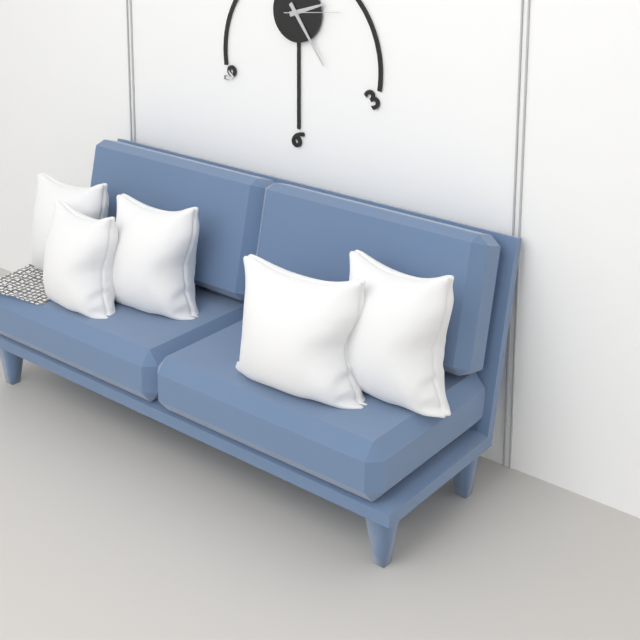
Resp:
h=2 m=24 s=14
